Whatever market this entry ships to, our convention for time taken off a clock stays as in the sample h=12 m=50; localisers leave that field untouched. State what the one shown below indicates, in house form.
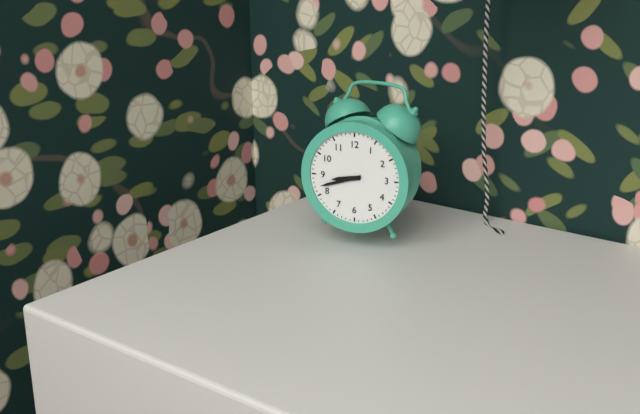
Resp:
h=8 m=42
